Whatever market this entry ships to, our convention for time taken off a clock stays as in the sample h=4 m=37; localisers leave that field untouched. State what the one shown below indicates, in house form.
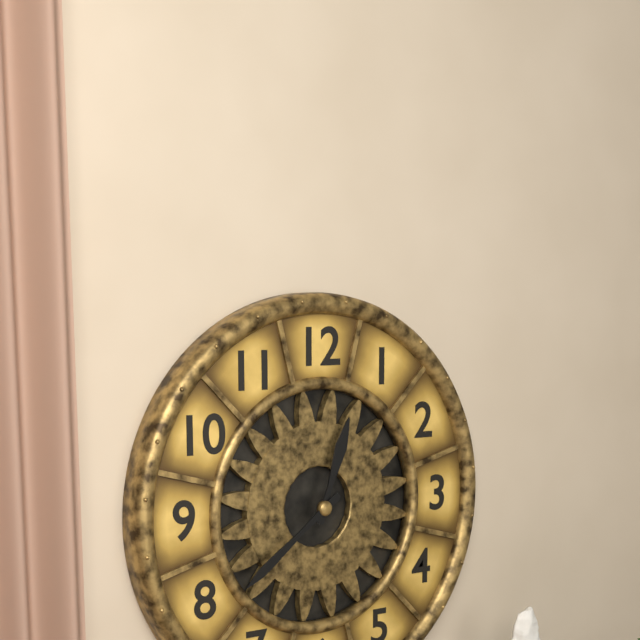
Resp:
h=12 m=39
